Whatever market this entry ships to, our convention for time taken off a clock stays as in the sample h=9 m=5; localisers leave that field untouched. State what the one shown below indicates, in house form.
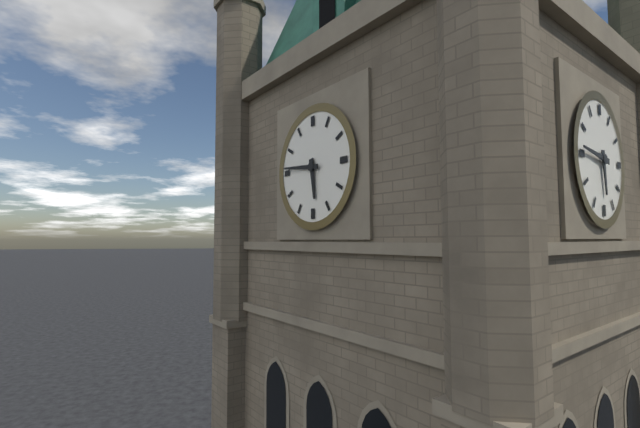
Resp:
h=5 m=46
